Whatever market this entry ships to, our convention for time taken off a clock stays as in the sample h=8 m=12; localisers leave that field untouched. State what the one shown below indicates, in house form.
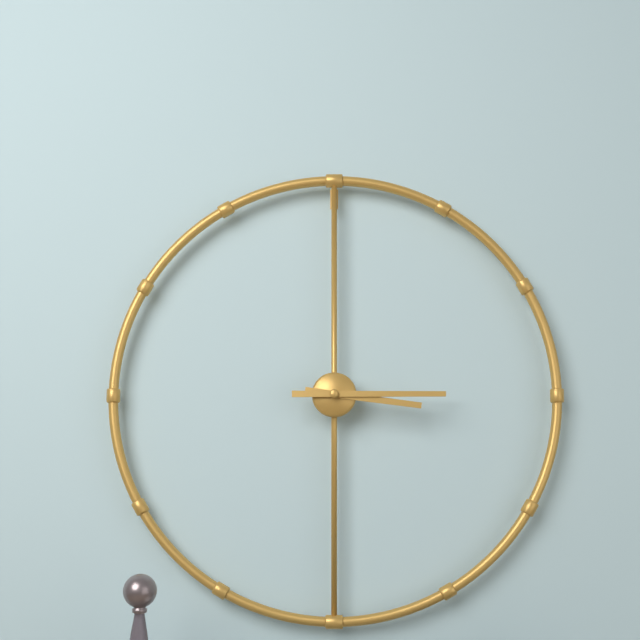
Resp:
h=3 m=15
